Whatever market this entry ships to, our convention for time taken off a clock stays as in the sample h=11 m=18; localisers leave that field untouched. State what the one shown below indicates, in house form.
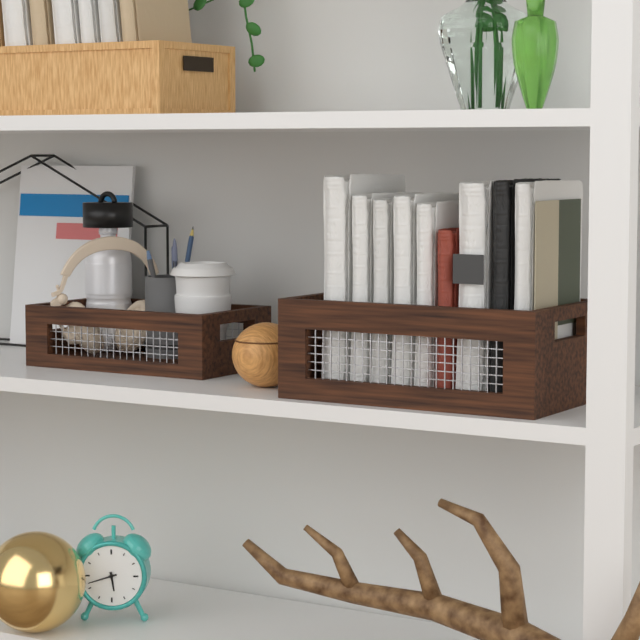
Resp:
h=5 m=42
